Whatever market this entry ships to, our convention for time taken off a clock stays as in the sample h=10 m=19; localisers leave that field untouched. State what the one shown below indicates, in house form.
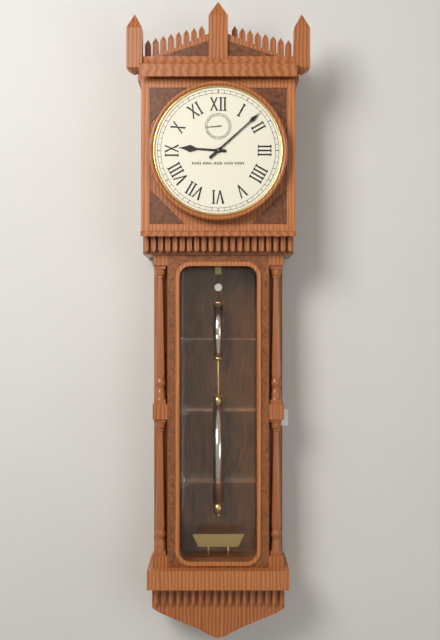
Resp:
h=9 m=8
